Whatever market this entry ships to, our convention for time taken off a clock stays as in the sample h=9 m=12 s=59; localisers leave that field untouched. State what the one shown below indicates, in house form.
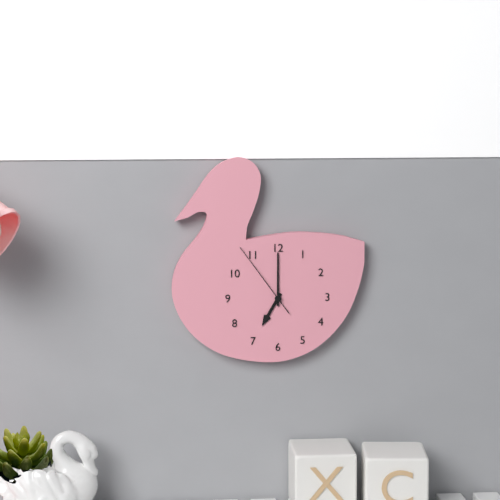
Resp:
h=7 m=0 s=54
